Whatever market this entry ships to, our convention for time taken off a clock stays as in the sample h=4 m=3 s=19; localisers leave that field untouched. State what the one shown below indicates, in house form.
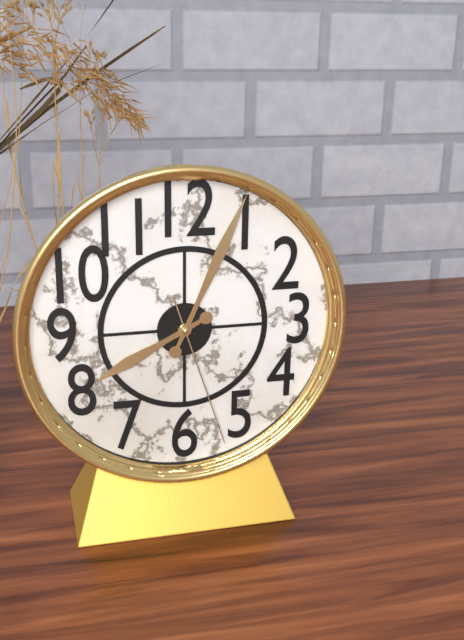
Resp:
h=8 m=4 s=27
